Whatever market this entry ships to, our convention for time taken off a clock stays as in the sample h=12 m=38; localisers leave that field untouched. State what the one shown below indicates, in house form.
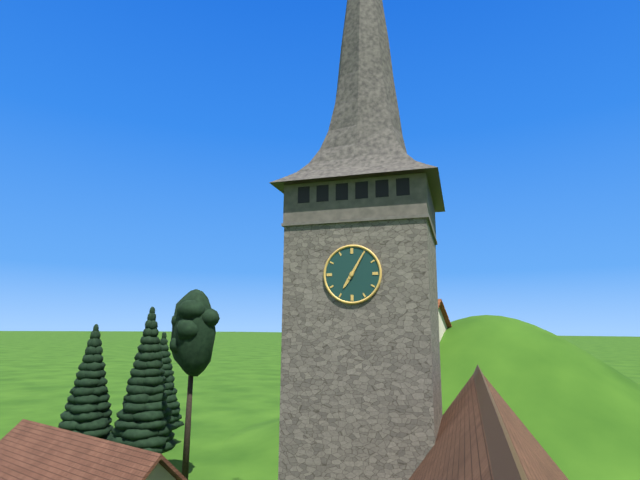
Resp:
h=7 m=5
